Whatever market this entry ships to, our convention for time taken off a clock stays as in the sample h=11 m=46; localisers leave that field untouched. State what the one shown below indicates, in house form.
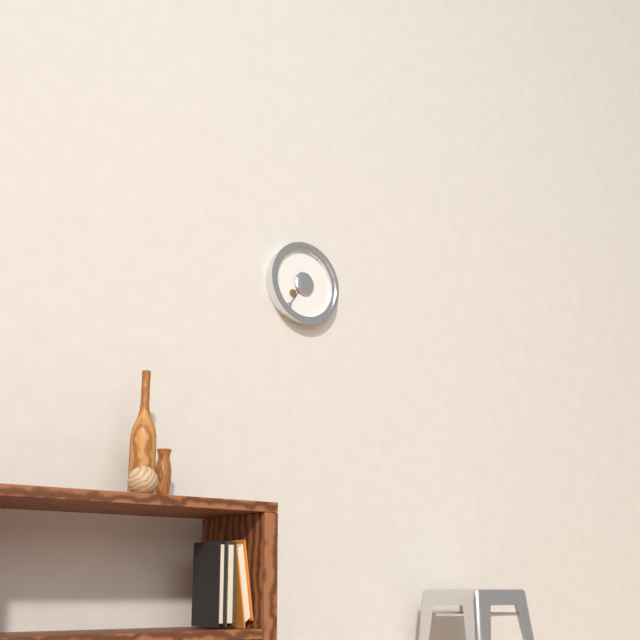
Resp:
h=7 m=36
